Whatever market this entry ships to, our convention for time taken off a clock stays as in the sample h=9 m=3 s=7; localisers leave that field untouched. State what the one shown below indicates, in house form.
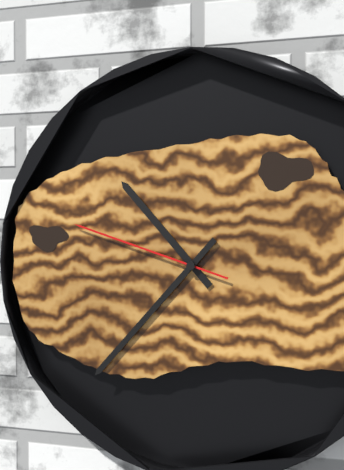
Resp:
h=10 m=37 s=48
